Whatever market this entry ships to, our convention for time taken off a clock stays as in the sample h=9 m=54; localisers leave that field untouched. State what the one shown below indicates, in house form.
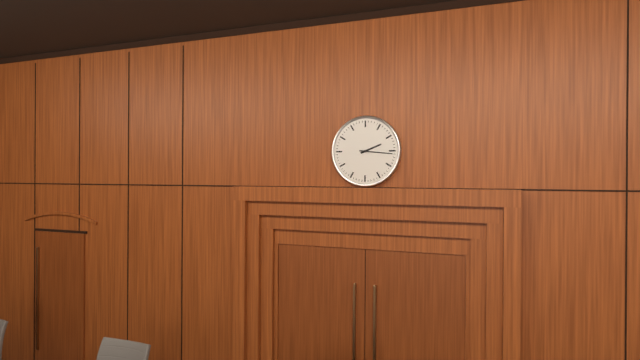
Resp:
h=2 m=16
